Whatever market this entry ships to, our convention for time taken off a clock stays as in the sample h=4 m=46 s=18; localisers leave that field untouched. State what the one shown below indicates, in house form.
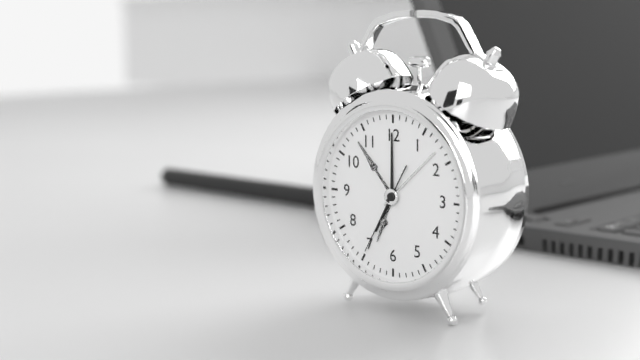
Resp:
h=7 m=0 s=35
